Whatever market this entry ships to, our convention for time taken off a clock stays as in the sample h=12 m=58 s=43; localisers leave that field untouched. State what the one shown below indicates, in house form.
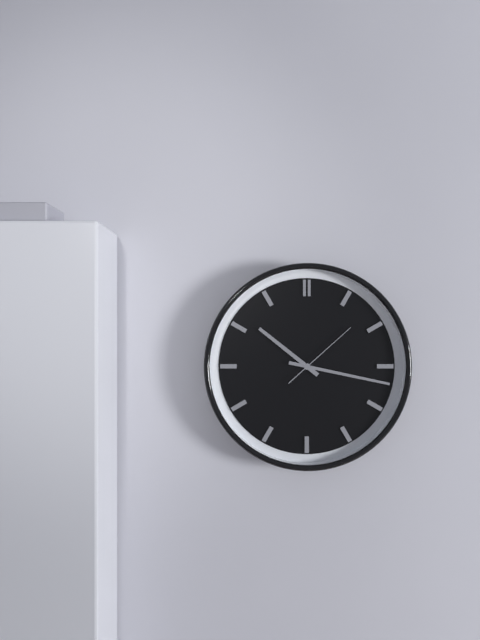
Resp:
h=10 m=17 s=8
